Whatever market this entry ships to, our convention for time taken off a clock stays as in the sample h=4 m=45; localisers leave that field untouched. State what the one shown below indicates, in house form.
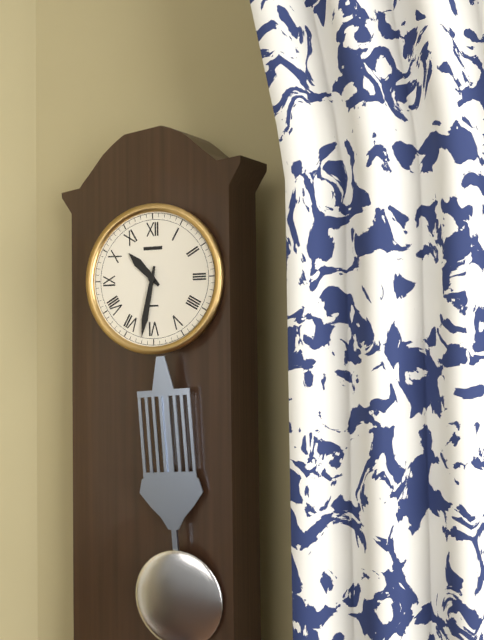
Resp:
h=10 m=32
